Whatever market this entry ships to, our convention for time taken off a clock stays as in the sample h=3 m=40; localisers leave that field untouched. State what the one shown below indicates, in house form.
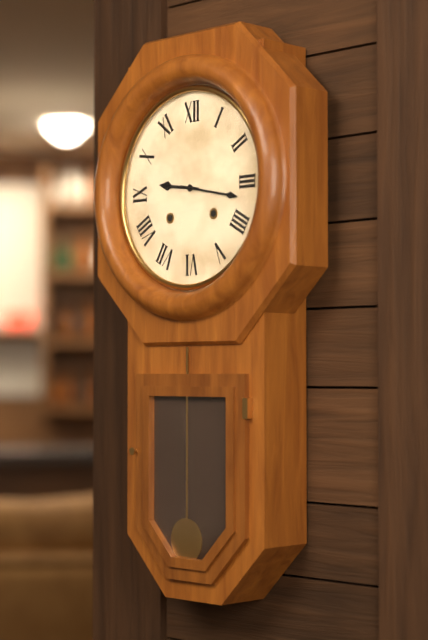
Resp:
h=9 m=17
